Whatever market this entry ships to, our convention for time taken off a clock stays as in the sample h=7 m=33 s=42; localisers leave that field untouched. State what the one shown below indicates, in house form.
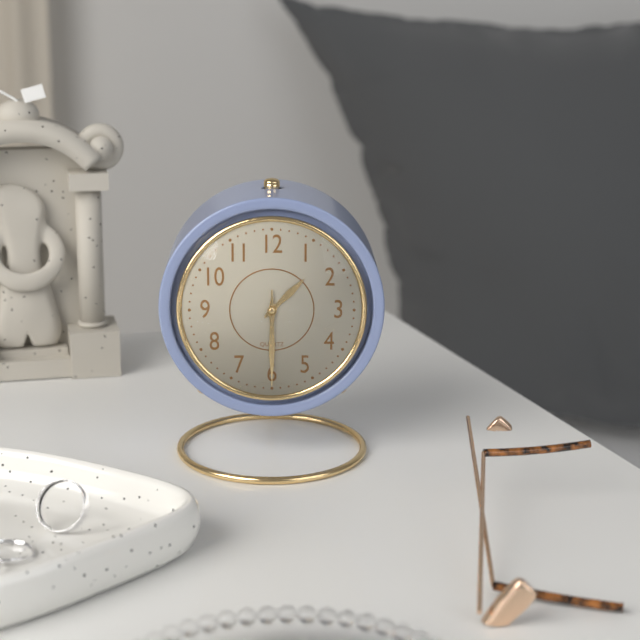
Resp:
h=1 m=30 s=30
